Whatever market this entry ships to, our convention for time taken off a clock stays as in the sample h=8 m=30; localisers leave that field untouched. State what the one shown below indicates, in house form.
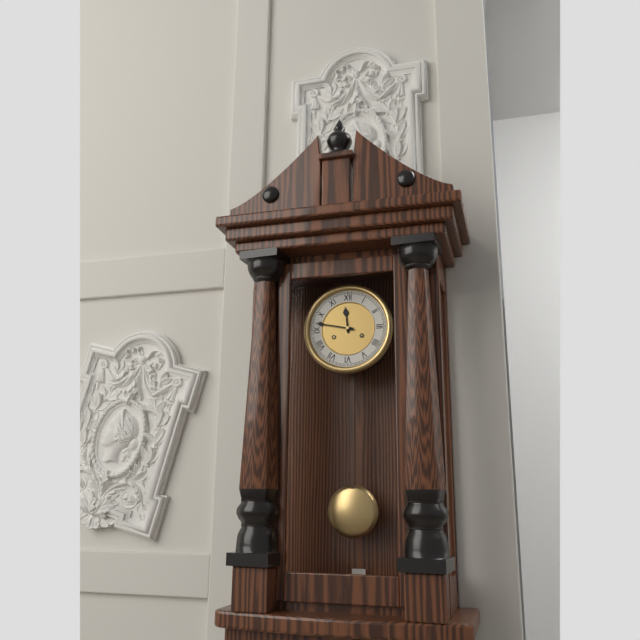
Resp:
h=11 m=47
